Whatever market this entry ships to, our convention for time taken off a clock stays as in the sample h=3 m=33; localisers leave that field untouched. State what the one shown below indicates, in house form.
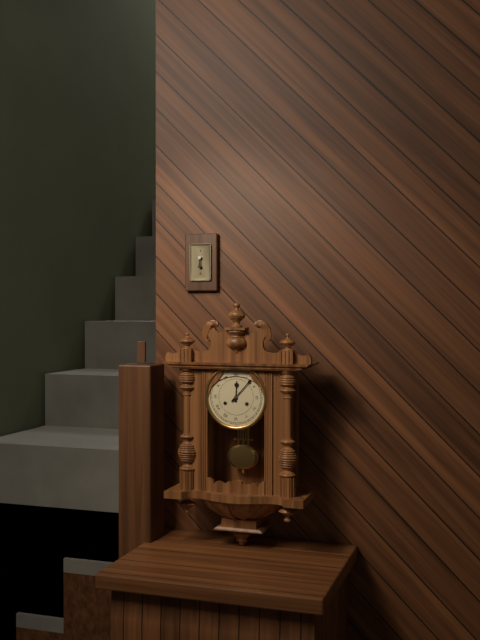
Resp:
h=12 m=7
